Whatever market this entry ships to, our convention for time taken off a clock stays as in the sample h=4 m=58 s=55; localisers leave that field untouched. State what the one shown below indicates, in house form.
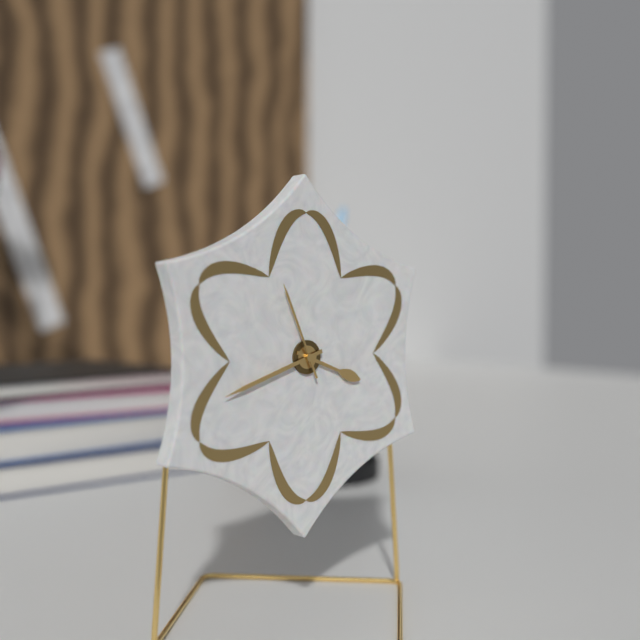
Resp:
h=3 m=42 s=56
